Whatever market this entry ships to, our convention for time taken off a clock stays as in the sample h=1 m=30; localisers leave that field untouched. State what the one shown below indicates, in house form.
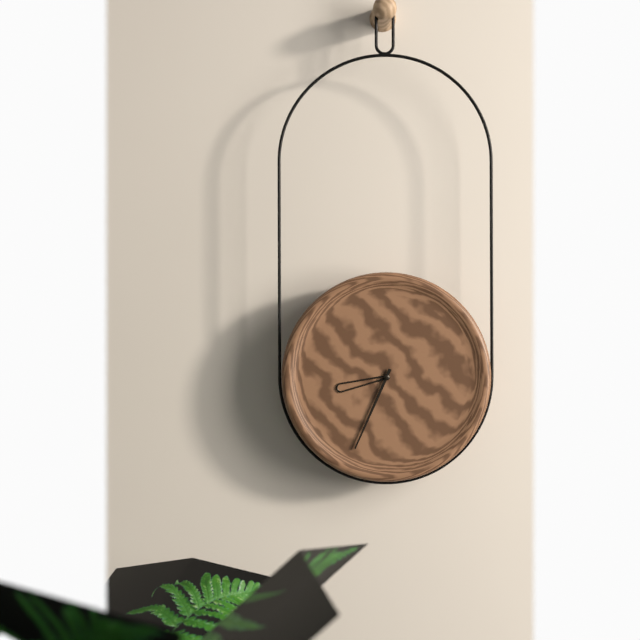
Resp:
h=8 m=34
